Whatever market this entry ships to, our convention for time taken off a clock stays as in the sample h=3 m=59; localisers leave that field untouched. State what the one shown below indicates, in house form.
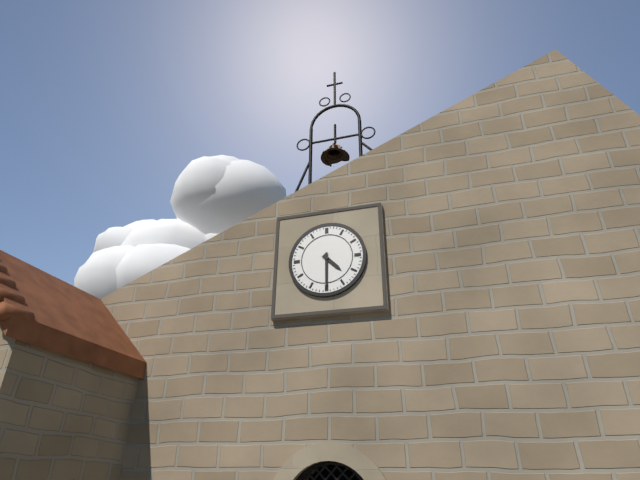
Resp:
h=4 m=30
